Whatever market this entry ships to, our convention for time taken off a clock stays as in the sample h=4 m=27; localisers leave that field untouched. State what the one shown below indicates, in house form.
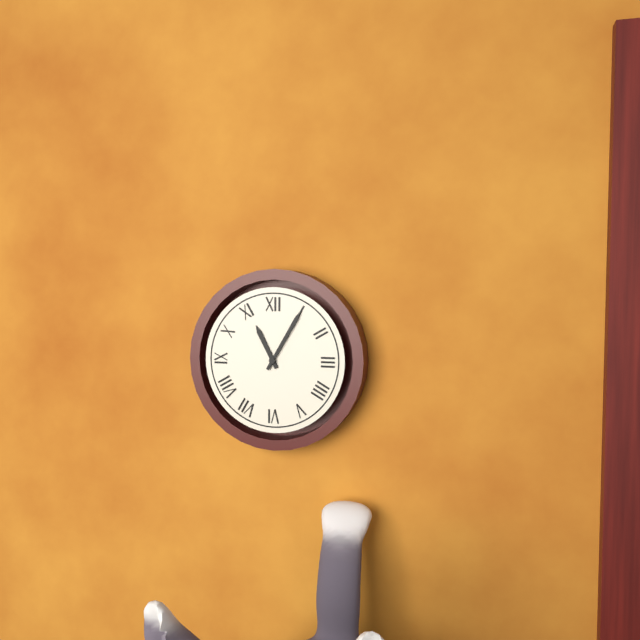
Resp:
h=11 m=5
